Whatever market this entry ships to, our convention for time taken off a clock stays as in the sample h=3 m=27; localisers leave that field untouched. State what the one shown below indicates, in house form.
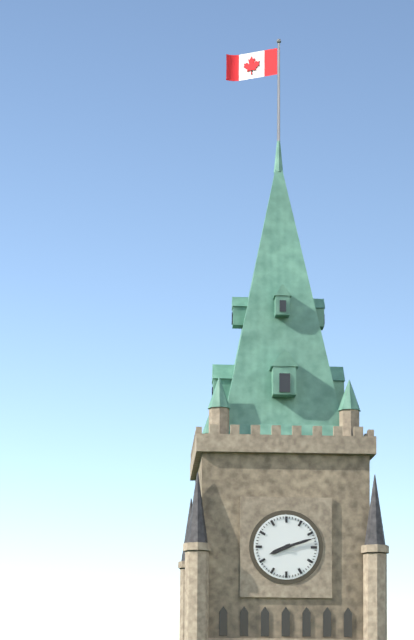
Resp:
h=8 m=12
